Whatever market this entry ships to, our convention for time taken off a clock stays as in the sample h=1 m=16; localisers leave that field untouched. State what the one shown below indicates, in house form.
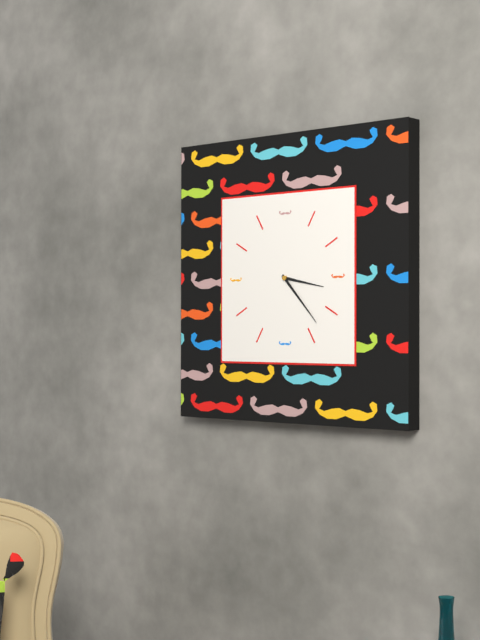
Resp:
h=3 m=23
